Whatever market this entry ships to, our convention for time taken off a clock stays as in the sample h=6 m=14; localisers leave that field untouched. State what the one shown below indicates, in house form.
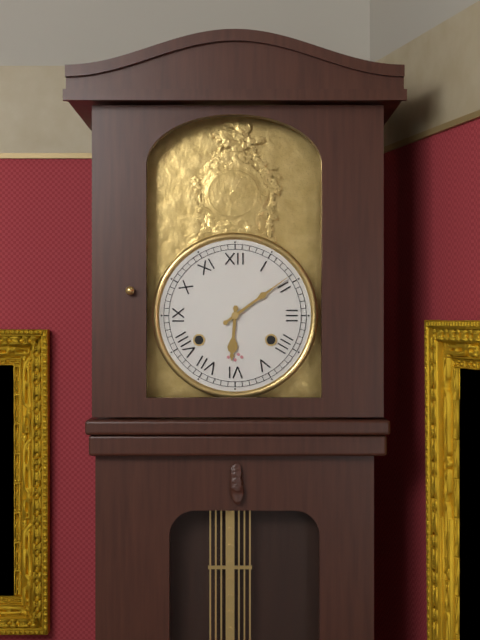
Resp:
h=6 m=9
